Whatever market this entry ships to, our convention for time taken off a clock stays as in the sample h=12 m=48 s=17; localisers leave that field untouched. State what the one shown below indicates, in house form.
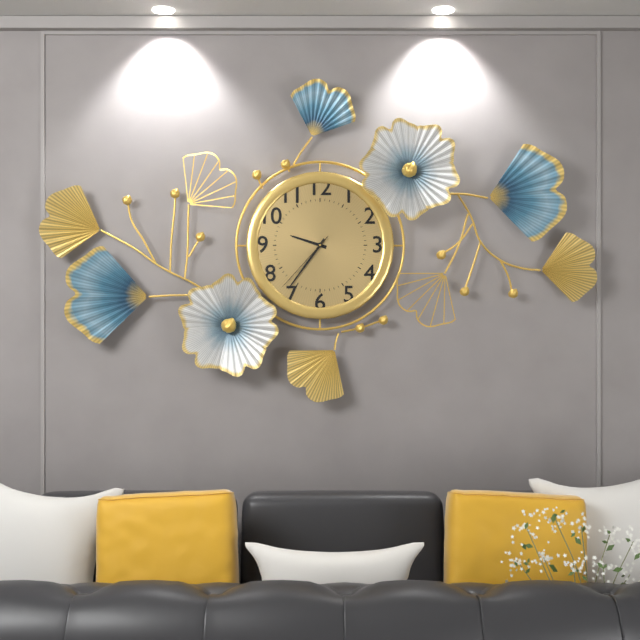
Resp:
h=9 m=36 s=37
